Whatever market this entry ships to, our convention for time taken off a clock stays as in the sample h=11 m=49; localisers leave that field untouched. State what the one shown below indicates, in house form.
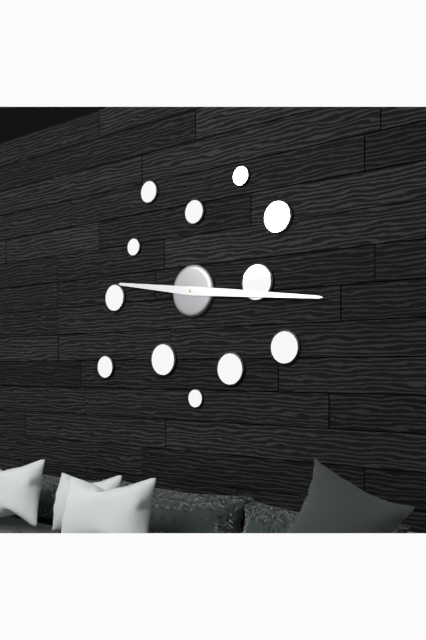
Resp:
h=9 m=16
